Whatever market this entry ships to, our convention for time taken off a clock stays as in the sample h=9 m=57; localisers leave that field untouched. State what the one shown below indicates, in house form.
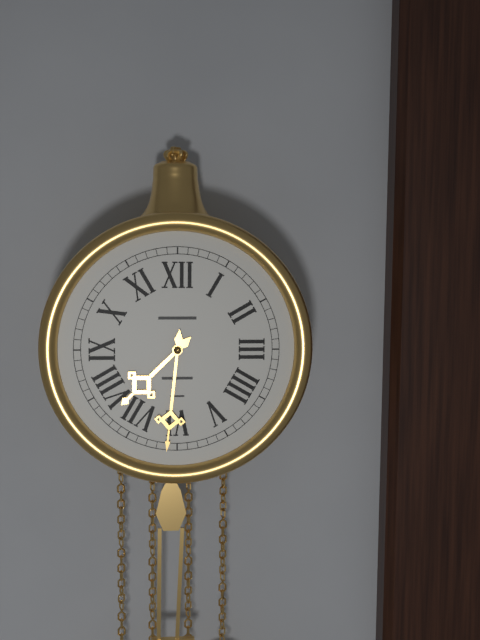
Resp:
h=7 m=31
